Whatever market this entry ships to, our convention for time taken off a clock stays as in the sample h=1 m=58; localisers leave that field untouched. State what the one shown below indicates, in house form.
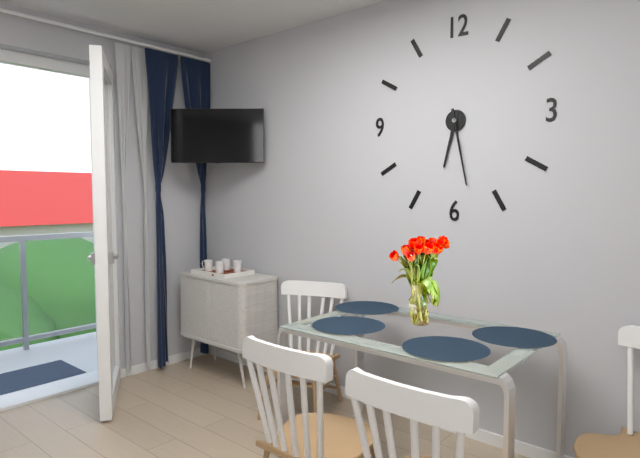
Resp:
h=6 m=28
